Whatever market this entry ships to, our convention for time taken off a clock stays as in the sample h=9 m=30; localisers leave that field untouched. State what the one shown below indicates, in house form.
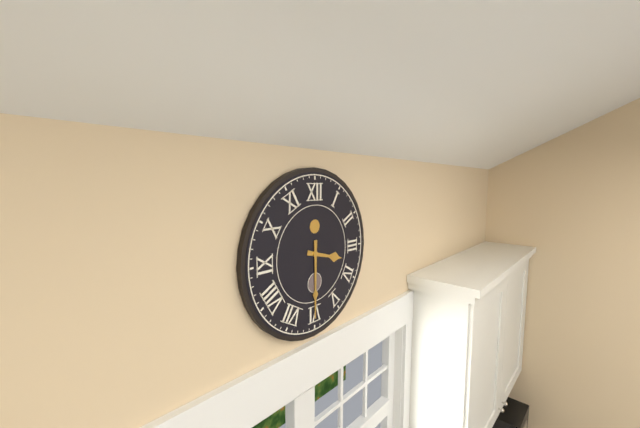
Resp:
h=3 m=30
